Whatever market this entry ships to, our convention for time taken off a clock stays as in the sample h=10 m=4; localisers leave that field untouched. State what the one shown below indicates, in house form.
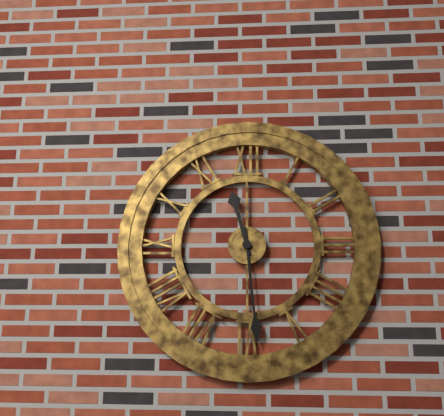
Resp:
h=11 m=29
